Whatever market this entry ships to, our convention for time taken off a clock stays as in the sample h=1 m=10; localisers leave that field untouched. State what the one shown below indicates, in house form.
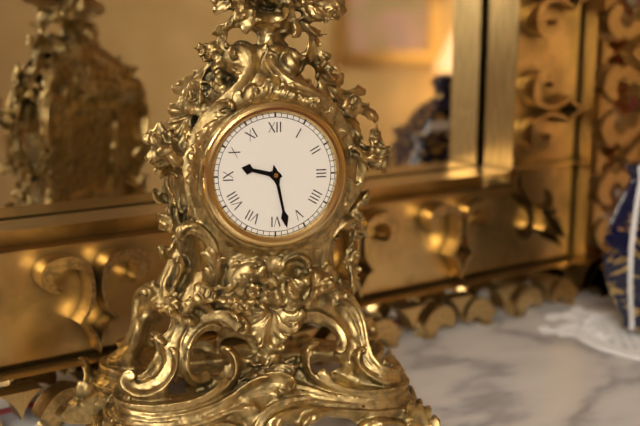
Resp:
h=9 m=28
